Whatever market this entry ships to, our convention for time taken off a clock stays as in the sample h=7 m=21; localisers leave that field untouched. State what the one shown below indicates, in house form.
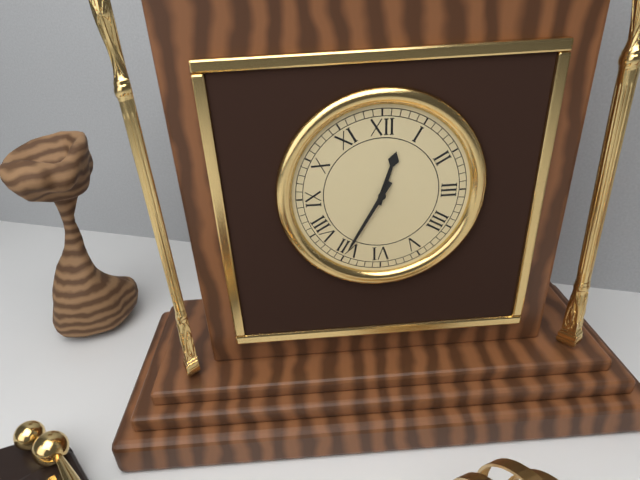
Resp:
h=12 m=35
